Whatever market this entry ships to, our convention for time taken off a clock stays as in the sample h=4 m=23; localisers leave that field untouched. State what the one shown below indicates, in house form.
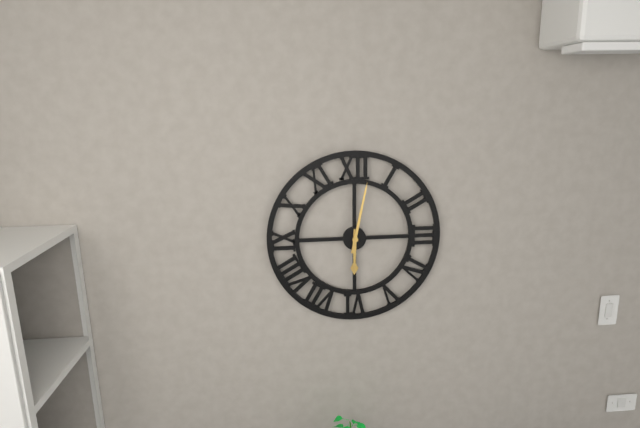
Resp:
h=6 m=2
